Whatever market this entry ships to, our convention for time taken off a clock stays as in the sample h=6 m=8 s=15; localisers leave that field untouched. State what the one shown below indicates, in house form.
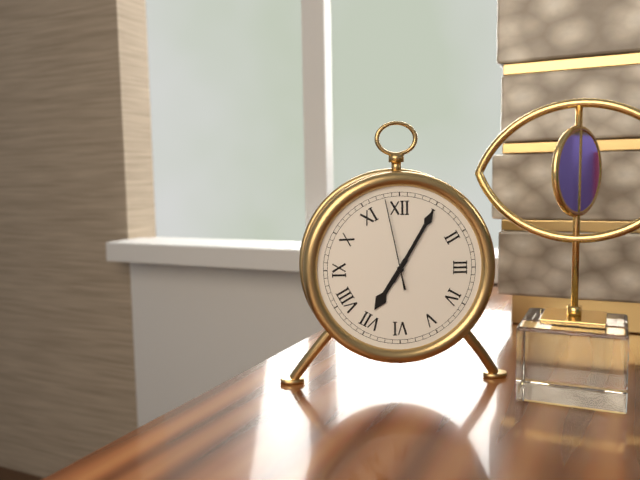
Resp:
h=7 m=5 s=58
